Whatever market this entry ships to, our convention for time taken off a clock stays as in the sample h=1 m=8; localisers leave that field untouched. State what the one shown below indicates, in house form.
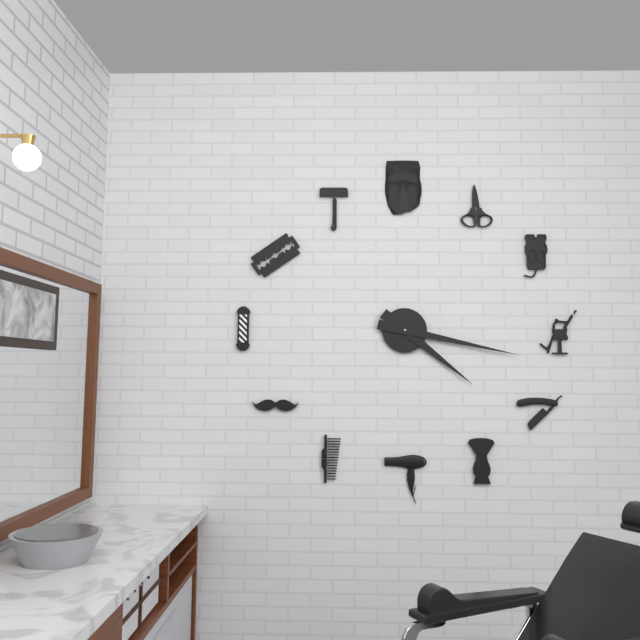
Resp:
h=4 m=17
